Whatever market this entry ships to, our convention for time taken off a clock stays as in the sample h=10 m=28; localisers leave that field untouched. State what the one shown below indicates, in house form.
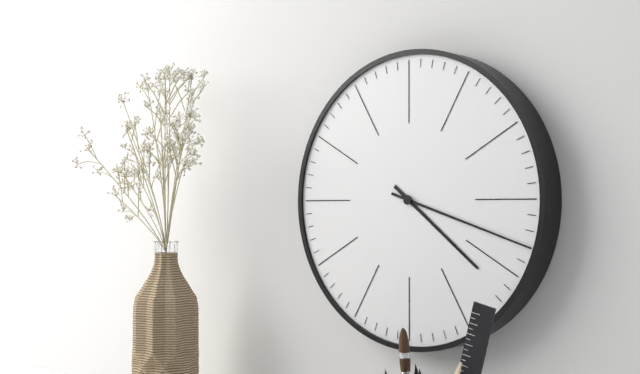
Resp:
h=4 m=18
